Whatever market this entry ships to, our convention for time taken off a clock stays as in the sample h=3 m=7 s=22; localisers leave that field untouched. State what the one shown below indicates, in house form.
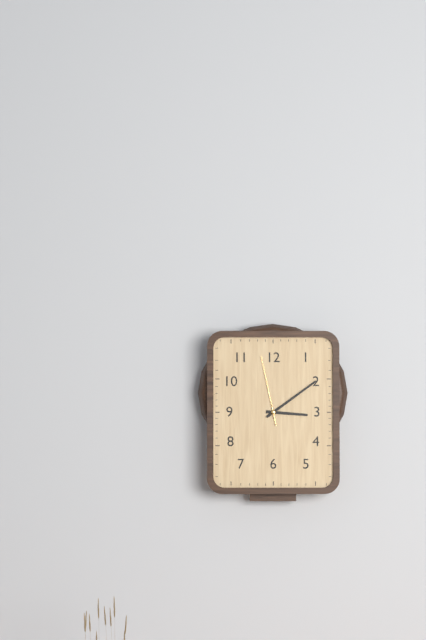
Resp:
h=3 m=9 s=58
